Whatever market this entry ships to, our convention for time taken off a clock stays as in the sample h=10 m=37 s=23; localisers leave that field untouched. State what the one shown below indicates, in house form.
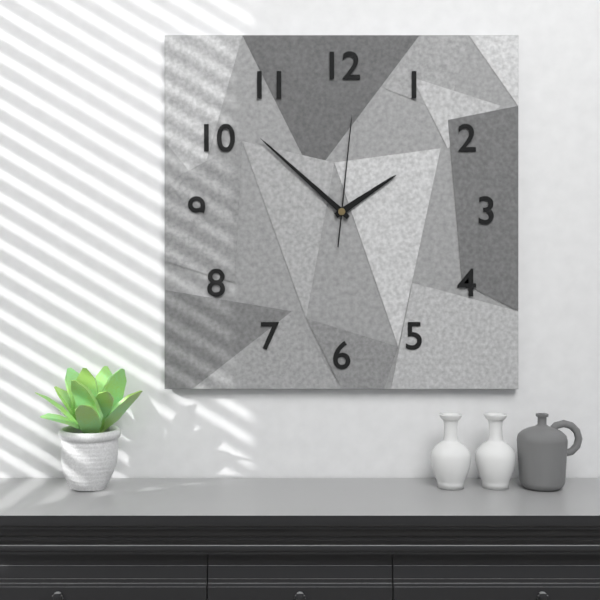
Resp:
h=1 m=52 s=1
